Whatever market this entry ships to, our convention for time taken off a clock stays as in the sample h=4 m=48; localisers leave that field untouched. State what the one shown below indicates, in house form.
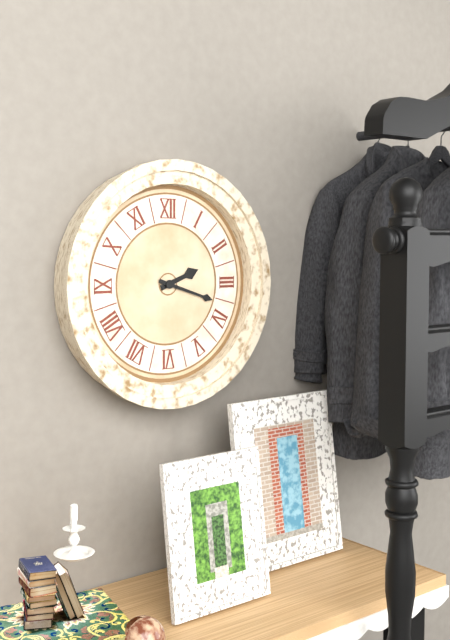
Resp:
h=2 m=18
